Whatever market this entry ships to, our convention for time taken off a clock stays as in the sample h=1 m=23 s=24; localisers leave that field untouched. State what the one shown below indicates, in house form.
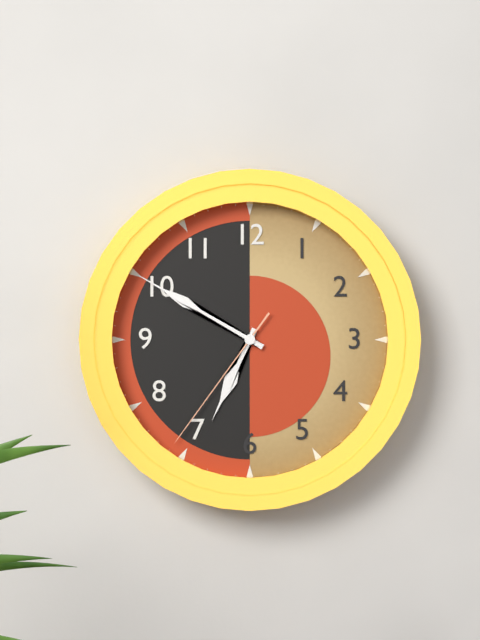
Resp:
h=6 m=50 s=36
